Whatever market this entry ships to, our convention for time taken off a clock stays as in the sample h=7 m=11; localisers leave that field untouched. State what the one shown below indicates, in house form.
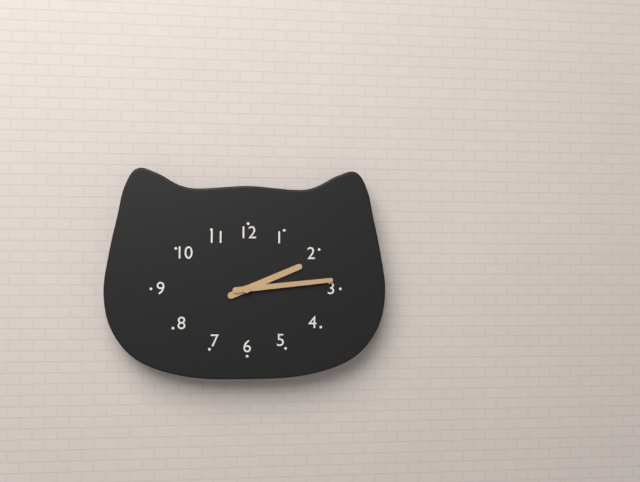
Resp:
h=2 m=14
